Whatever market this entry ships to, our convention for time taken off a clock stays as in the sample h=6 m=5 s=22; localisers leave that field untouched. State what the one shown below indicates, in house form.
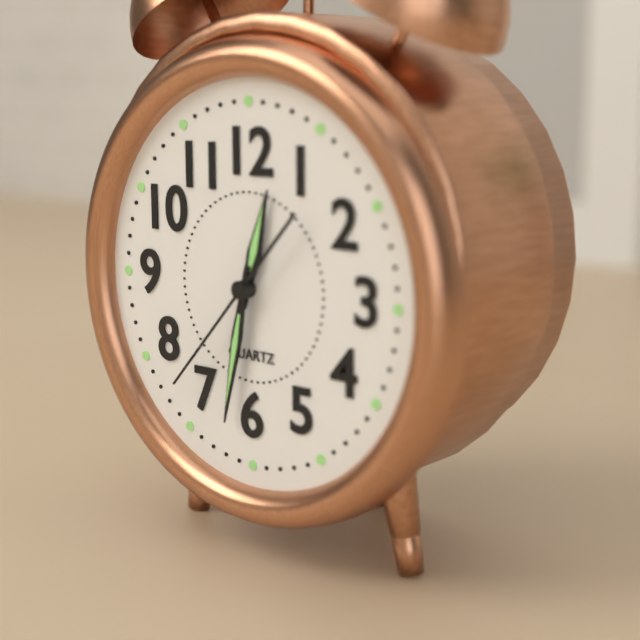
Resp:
h=12 m=32 s=37
